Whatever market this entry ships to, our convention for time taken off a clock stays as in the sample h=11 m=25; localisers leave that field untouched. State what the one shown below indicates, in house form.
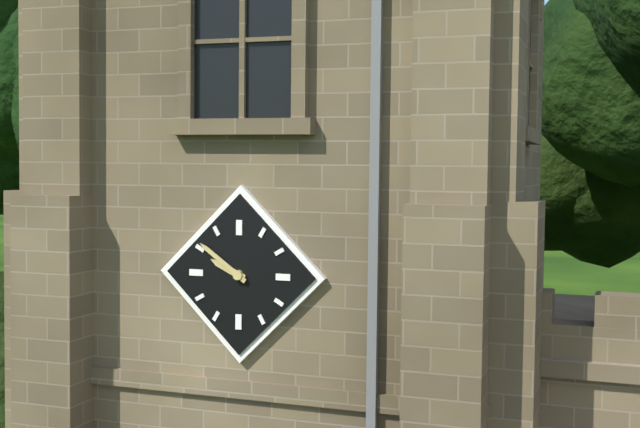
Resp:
h=9 m=51
